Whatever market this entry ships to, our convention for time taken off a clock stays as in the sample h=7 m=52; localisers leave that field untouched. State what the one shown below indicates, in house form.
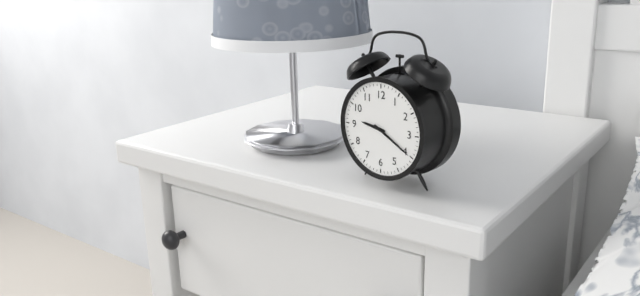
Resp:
h=9 m=20
